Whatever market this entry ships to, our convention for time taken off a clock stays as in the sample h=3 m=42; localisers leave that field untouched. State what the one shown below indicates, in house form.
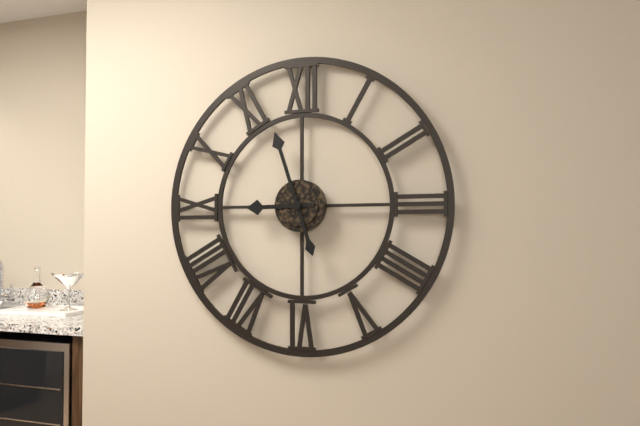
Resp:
h=8 m=57
